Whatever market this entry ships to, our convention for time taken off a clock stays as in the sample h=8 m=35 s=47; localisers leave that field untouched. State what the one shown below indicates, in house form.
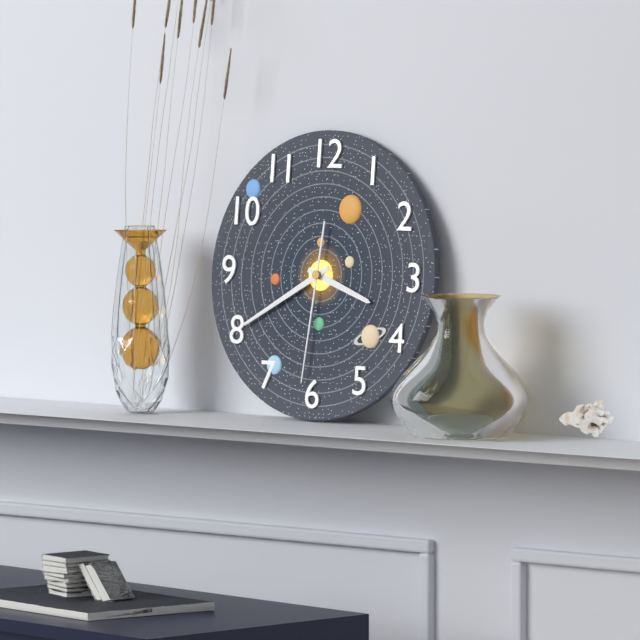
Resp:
h=3 m=40 s=31
